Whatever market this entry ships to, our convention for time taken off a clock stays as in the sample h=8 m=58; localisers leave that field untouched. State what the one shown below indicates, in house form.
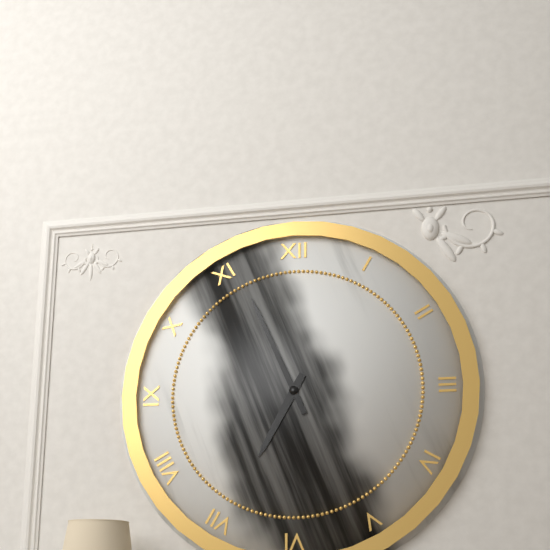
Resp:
h=6 m=56
